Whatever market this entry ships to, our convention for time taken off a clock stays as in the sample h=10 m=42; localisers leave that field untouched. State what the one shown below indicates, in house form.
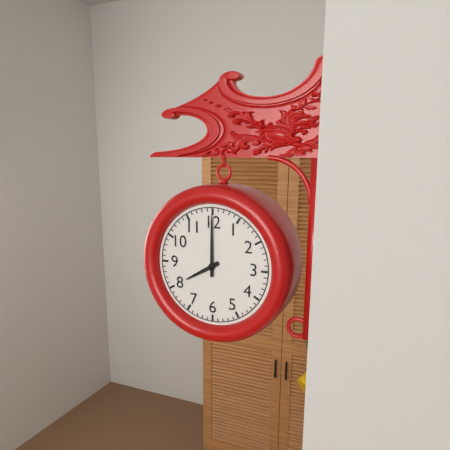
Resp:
h=8 m=0
